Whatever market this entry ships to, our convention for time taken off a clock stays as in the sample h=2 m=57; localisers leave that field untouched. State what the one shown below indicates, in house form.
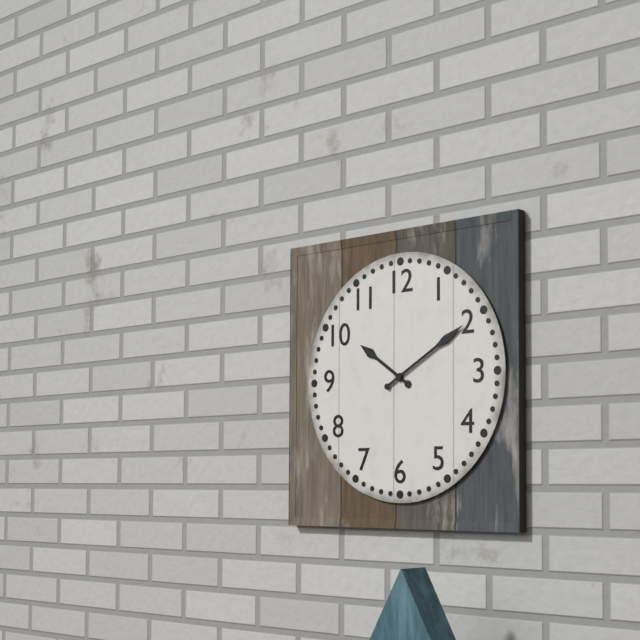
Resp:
h=10 m=10
